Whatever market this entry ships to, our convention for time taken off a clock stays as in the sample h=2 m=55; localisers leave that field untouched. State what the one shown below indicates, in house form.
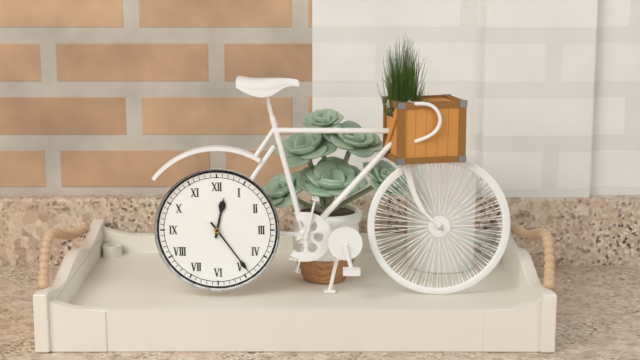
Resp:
h=12 m=24
